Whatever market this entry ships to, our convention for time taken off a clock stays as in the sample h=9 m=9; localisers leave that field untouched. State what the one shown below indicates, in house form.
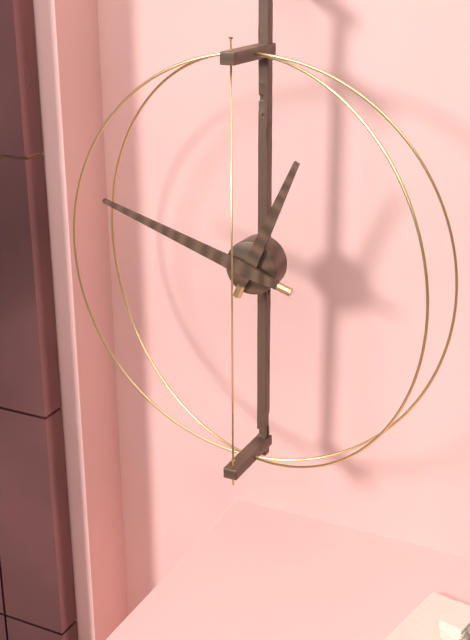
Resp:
h=12 m=48
